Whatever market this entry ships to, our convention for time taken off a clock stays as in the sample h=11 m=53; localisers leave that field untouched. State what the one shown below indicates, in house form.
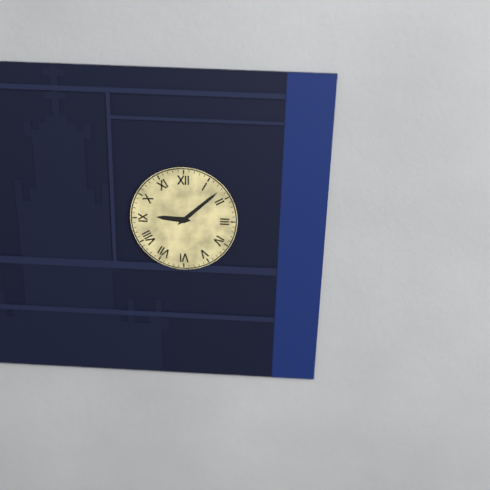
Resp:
h=9 m=8
